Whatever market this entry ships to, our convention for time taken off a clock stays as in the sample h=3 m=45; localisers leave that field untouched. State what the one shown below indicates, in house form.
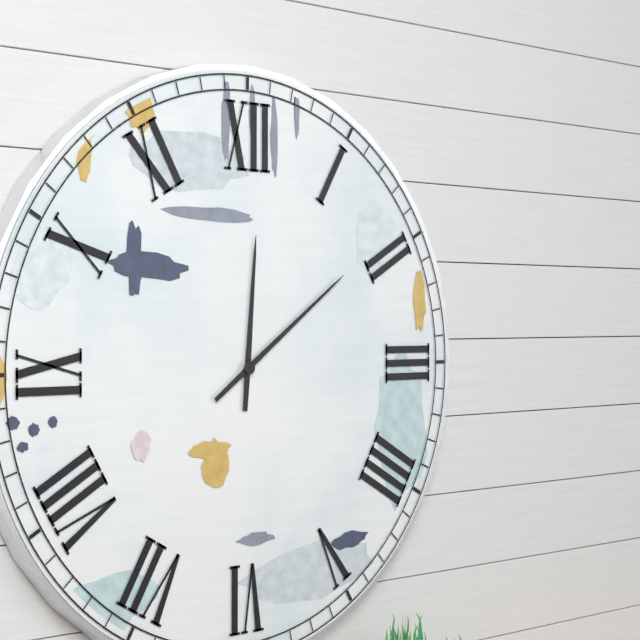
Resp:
h=12 m=9
